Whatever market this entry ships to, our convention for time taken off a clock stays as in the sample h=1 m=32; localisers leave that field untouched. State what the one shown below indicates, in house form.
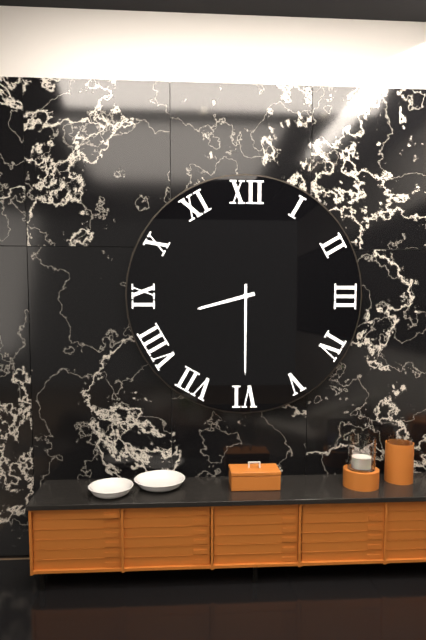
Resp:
h=8 m=30
